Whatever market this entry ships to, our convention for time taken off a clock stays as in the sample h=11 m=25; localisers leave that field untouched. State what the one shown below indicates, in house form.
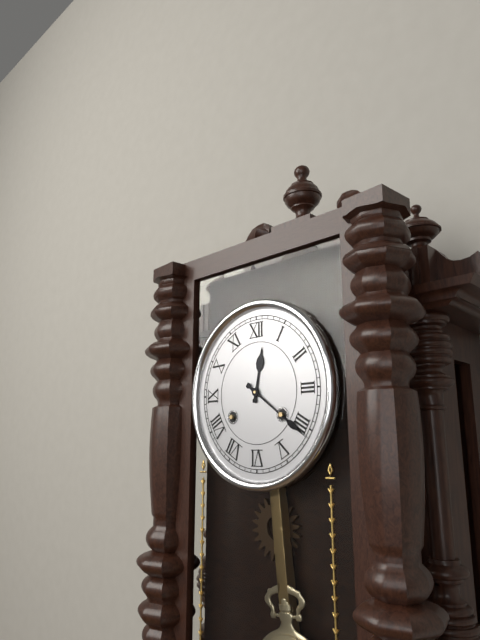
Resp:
h=12 m=21
